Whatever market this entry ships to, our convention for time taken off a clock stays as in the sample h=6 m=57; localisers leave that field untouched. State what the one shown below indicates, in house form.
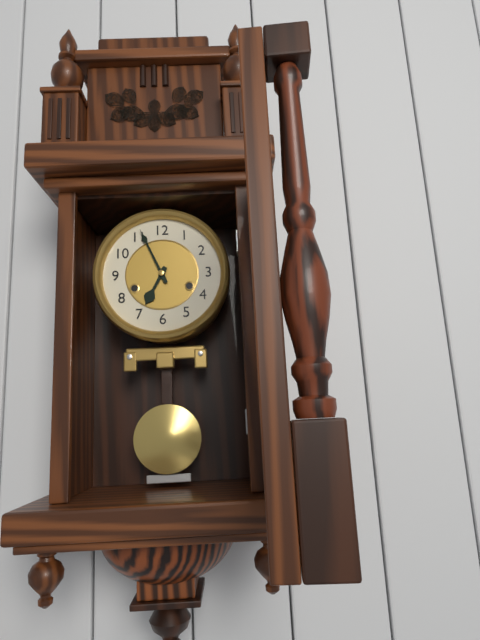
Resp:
h=6 m=56
